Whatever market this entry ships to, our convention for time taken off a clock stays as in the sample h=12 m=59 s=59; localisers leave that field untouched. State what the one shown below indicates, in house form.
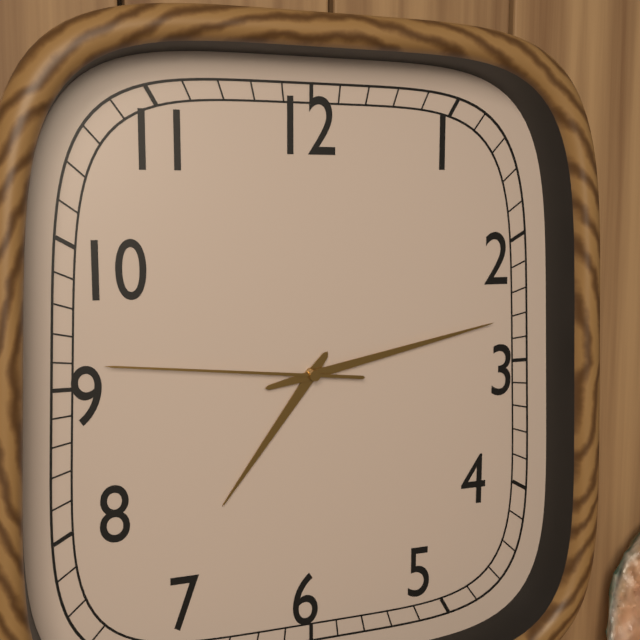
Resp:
h=7 m=13 s=46
